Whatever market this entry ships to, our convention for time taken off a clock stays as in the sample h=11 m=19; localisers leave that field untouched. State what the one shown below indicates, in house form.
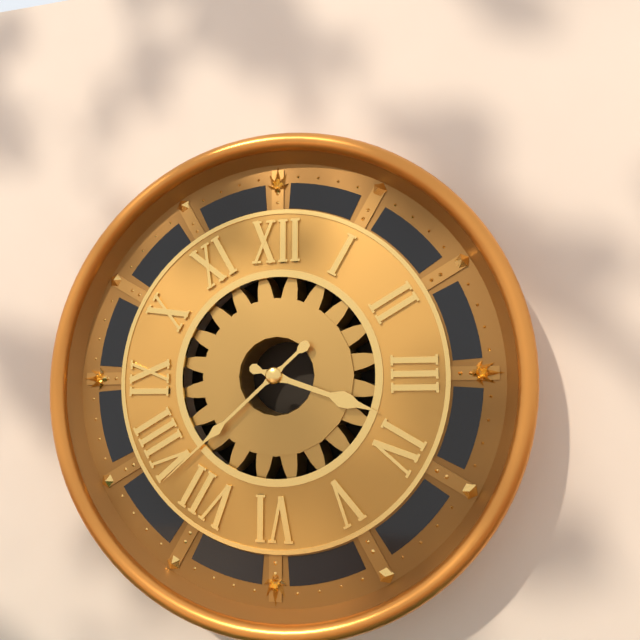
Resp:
h=3 m=38
